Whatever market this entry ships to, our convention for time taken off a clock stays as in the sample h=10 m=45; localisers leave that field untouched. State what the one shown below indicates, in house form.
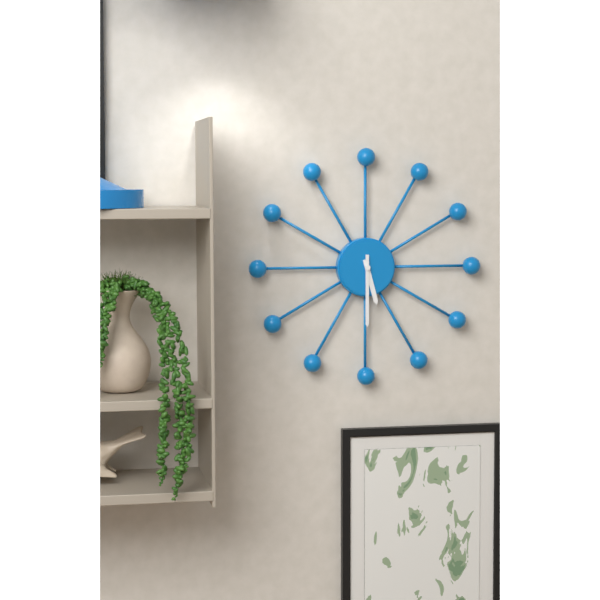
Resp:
h=5 m=30
